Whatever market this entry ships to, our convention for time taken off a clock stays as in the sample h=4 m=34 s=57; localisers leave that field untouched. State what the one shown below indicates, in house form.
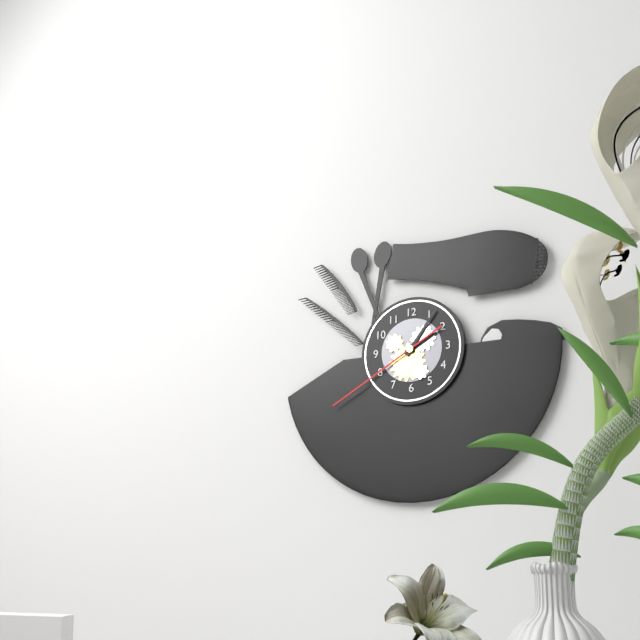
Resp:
h=2 m=6 s=40
